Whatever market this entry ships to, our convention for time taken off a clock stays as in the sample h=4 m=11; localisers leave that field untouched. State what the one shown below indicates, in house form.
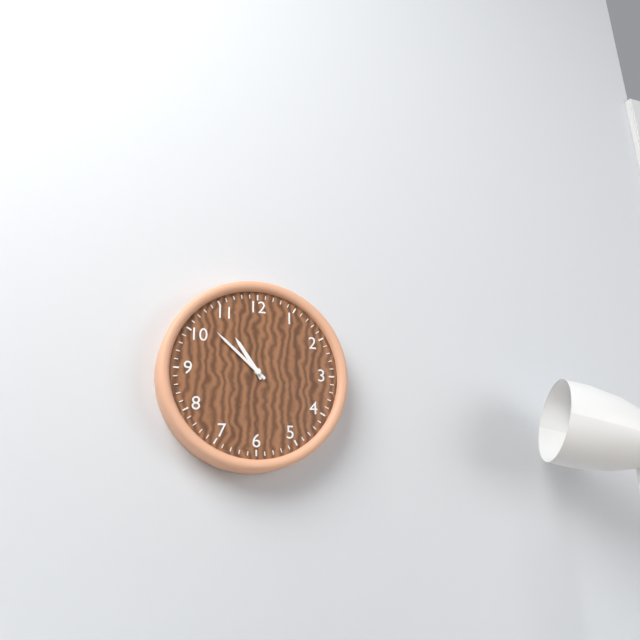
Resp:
h=10 m=52
